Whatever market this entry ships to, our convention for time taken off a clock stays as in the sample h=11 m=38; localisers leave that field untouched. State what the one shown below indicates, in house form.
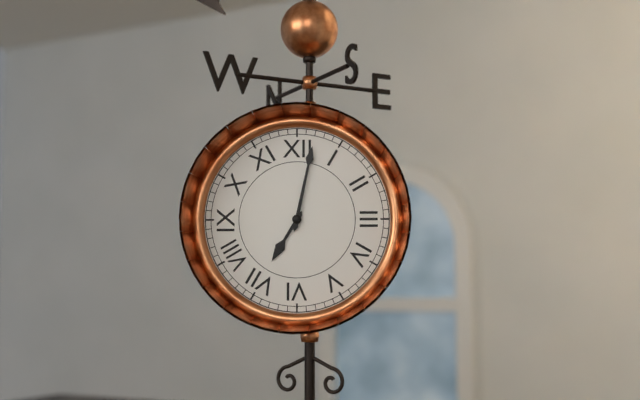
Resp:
h=7 m=2
